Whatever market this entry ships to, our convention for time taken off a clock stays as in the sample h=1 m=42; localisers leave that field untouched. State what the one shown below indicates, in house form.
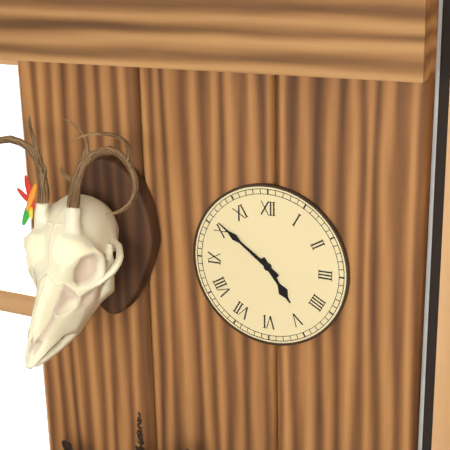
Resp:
h=4 m=51
